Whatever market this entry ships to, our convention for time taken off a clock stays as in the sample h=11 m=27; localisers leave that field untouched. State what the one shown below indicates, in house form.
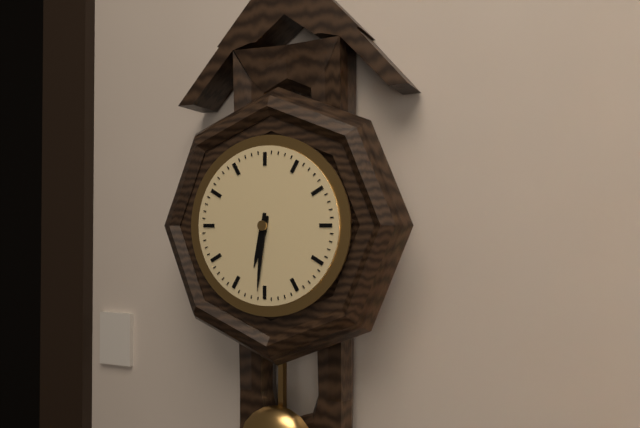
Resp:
h=6 m=31
